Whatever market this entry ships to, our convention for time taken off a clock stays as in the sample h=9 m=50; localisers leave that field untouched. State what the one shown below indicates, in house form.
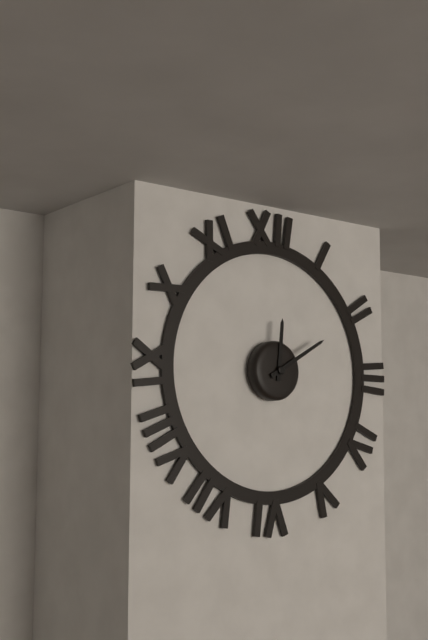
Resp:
h=12 m=10
